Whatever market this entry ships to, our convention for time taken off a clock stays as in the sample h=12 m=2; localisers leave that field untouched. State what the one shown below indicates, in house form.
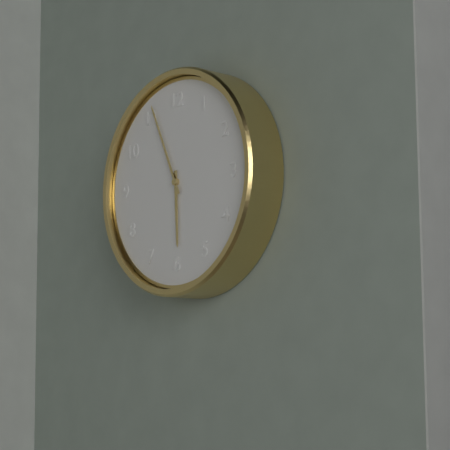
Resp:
h=5 m=56
